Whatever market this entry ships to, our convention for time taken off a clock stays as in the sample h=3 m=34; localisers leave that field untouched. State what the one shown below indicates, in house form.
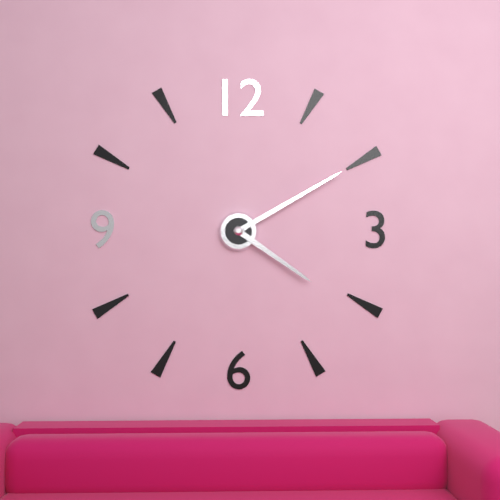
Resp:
h=4 m=10
